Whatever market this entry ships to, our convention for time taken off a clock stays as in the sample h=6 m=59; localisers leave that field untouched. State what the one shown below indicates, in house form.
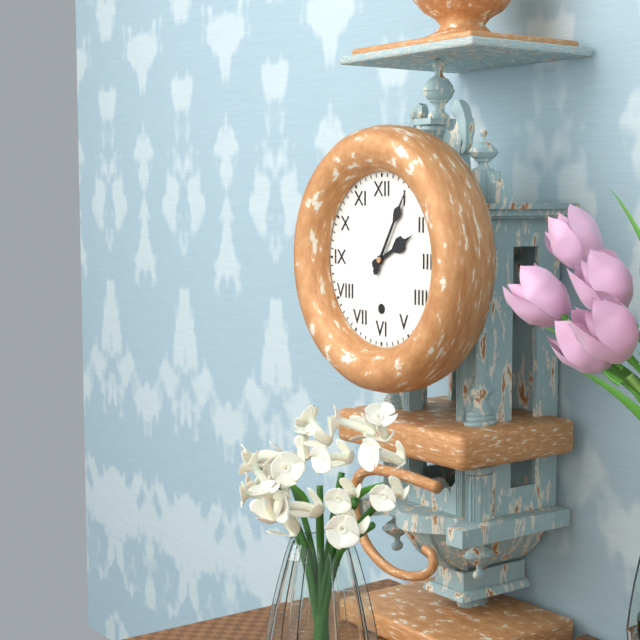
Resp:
h=2 m=5
